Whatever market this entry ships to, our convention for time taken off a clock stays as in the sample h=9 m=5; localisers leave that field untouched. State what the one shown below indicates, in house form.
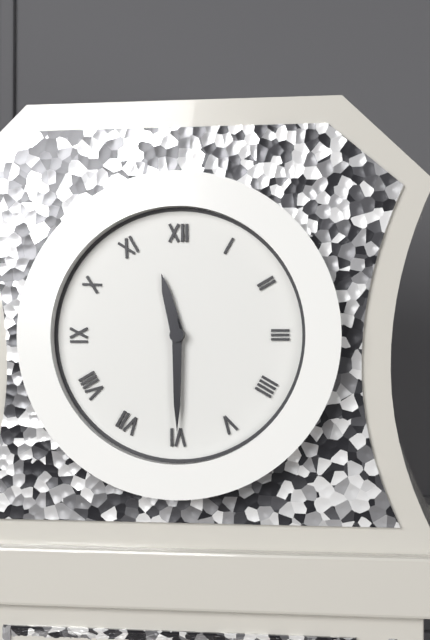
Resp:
h=11 m=30
